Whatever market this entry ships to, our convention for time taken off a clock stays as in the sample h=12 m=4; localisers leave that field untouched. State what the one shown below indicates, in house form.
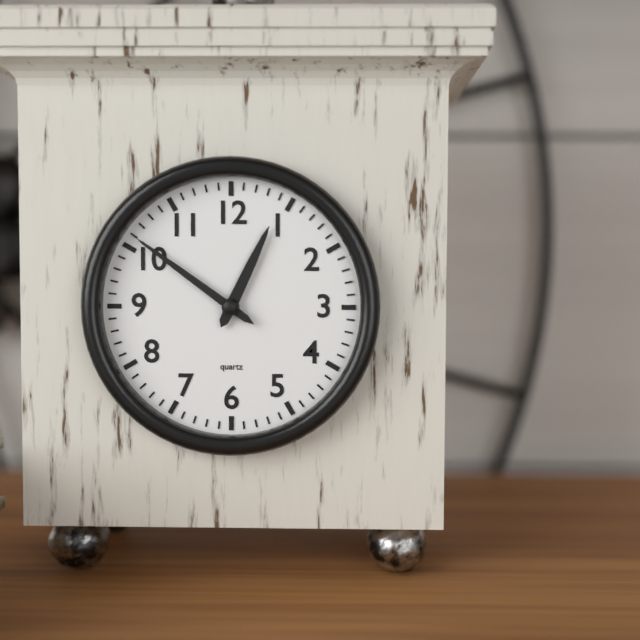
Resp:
h=12 m=51
